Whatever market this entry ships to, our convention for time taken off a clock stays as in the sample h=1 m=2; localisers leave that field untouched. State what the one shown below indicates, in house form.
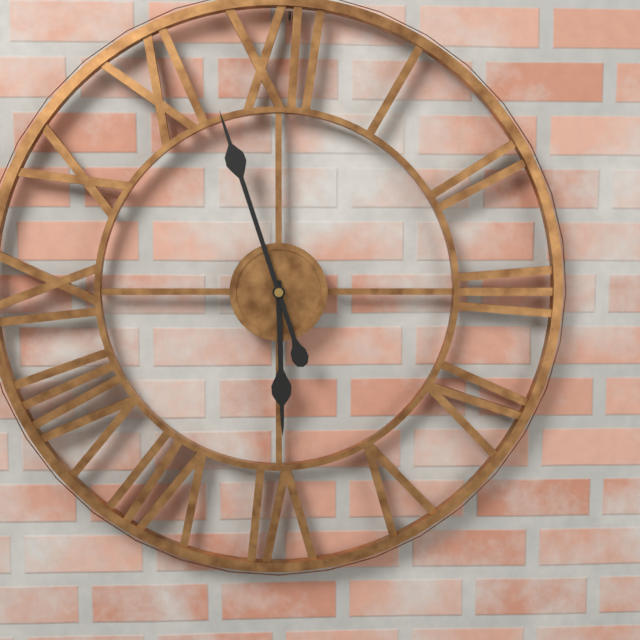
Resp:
h=5 m=57
